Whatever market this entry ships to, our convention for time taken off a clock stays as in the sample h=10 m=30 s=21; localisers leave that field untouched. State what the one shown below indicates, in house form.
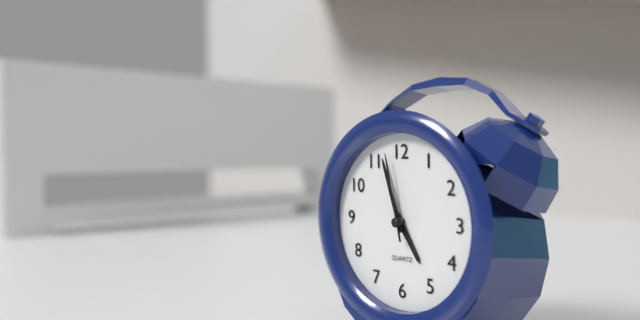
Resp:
h=4 m=57 s=58
